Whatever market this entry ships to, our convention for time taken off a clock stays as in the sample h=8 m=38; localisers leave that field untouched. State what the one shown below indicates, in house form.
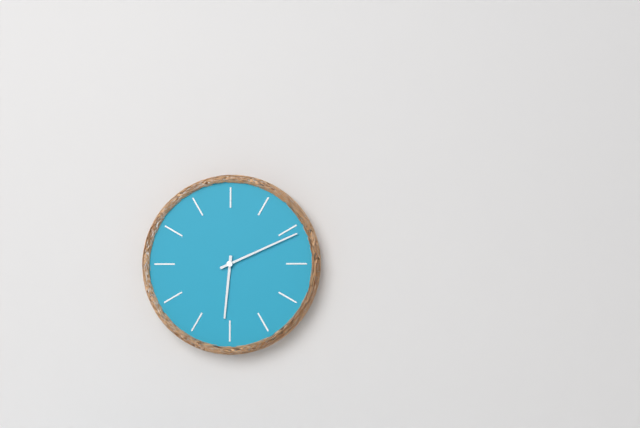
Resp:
h=6 m=11
